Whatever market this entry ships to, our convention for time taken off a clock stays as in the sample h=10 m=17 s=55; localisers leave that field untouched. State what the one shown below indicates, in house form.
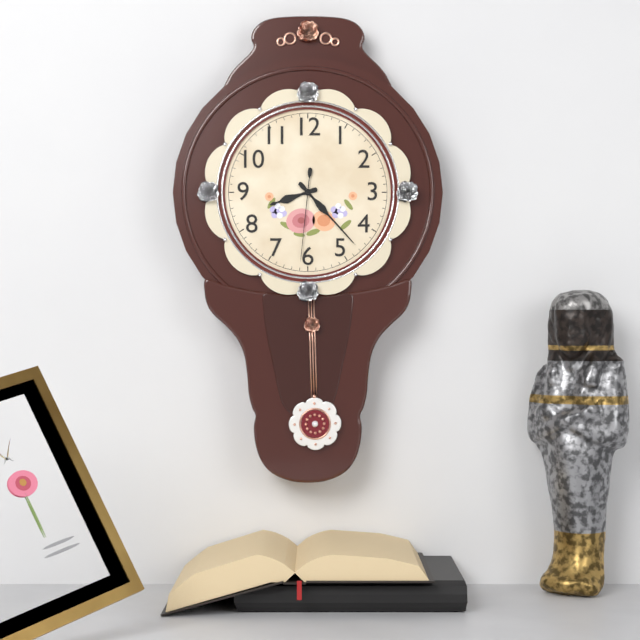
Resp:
h=8 m=23 s=31
